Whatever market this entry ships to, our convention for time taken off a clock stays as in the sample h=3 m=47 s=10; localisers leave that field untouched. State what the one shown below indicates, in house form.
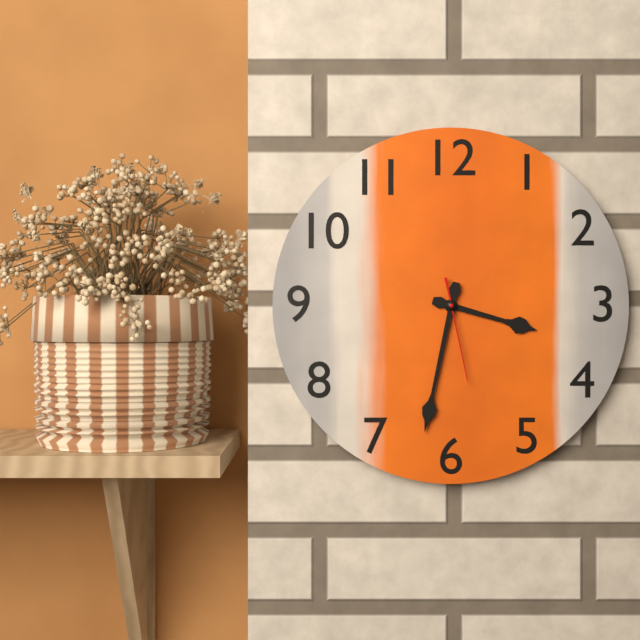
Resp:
h=3 m=32 s=28
